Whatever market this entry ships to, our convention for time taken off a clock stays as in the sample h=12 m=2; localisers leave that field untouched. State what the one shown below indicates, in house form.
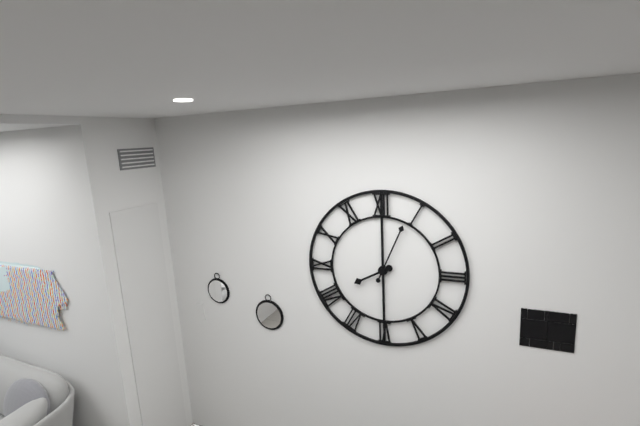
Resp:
h=8 m=4
